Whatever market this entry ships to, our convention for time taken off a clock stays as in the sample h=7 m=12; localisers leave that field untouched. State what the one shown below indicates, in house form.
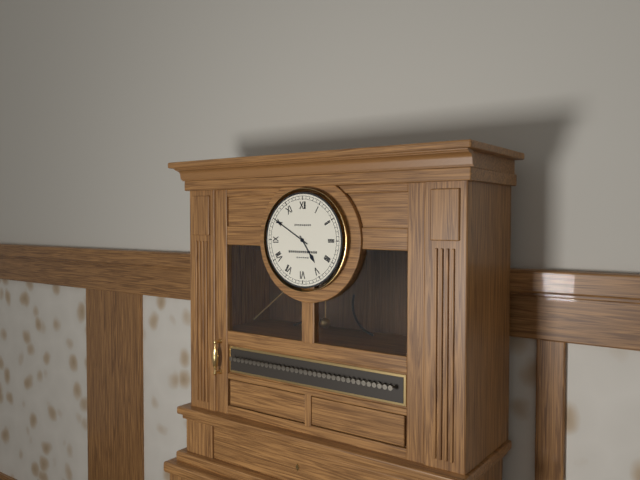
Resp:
h=4 m=50
